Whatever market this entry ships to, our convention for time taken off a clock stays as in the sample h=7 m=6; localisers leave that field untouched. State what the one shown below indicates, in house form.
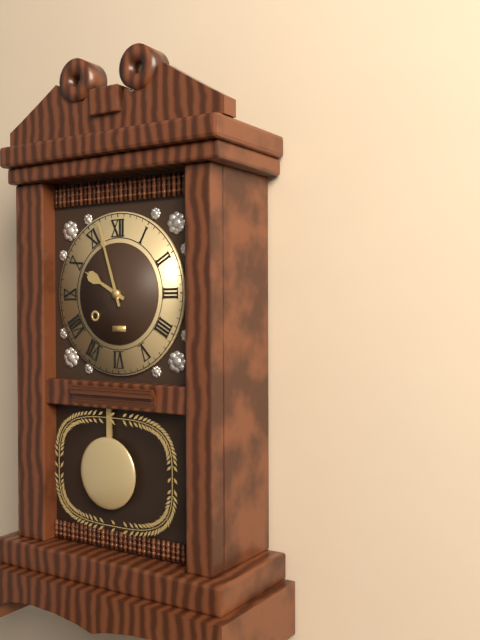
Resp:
h=9 m=57
